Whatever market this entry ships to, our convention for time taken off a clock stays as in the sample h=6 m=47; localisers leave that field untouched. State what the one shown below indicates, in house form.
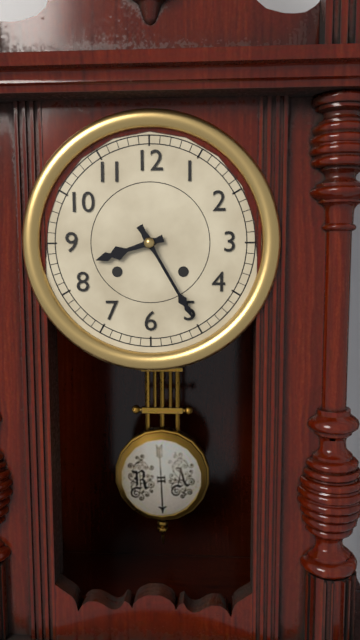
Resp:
h=8 m=25
